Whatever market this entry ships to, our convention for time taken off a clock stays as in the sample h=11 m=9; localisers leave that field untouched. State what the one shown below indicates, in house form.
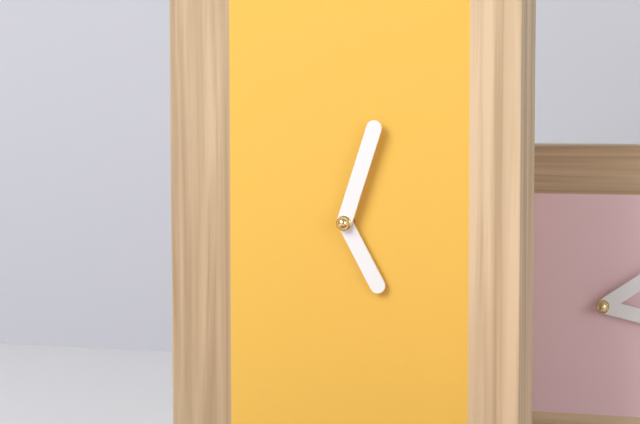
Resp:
h=5 m=3
